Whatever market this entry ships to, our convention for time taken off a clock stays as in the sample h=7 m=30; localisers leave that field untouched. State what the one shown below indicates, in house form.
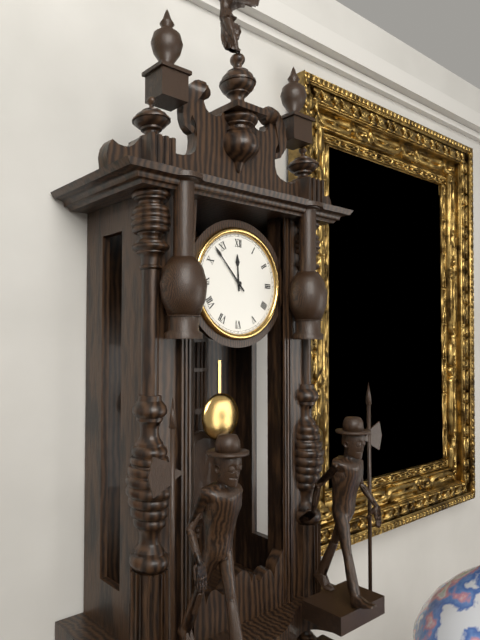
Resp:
h=11 m=53
